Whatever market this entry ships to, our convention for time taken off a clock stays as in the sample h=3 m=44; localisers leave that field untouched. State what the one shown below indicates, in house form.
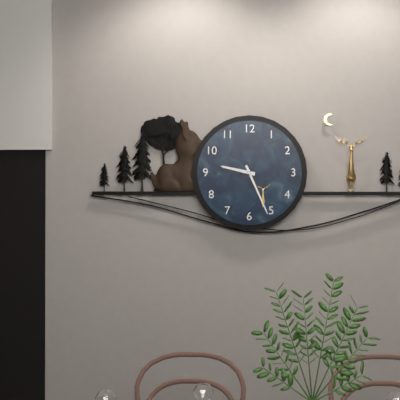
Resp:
h=9 m=26
